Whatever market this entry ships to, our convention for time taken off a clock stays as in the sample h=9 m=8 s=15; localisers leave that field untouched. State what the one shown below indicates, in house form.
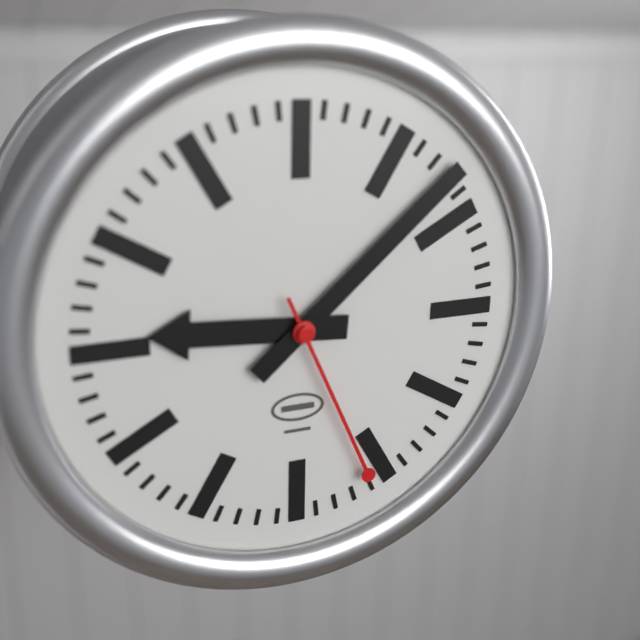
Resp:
h=9 m=8 s=26
